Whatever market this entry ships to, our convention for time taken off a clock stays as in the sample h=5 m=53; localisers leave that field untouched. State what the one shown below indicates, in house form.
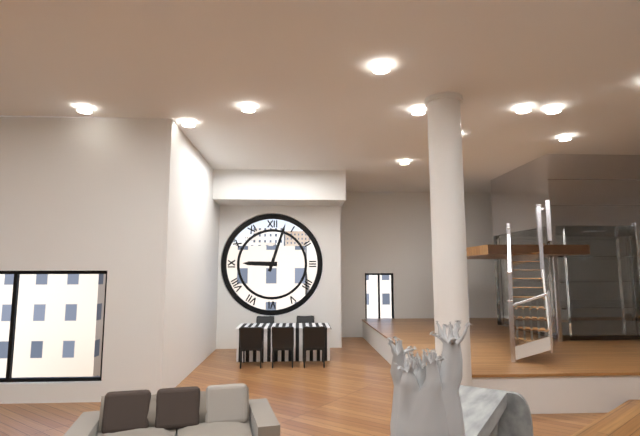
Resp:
h=9 m=3
